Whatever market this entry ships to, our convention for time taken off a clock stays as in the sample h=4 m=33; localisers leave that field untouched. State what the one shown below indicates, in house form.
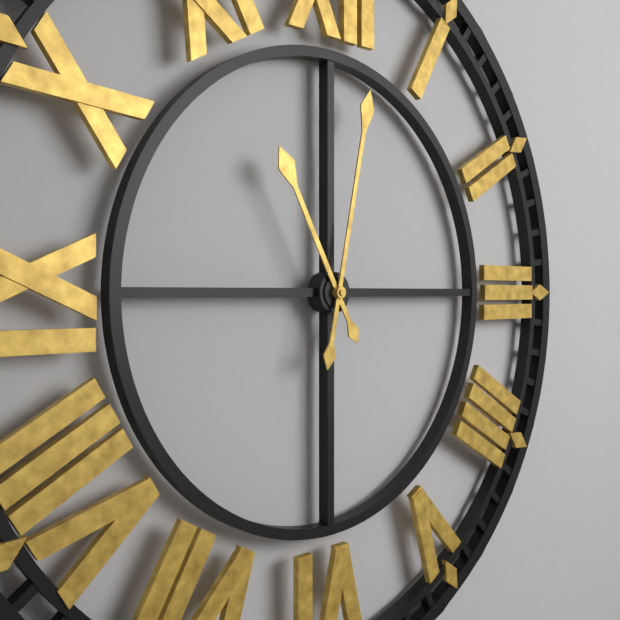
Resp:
h=11 m=2
